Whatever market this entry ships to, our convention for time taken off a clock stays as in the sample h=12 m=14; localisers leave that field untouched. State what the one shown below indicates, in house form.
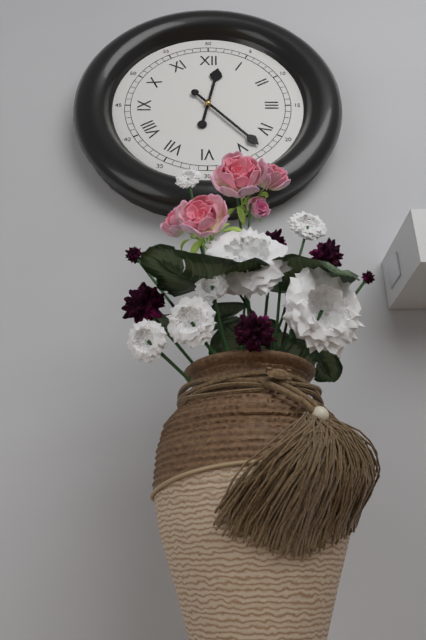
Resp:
h=12 m=23
